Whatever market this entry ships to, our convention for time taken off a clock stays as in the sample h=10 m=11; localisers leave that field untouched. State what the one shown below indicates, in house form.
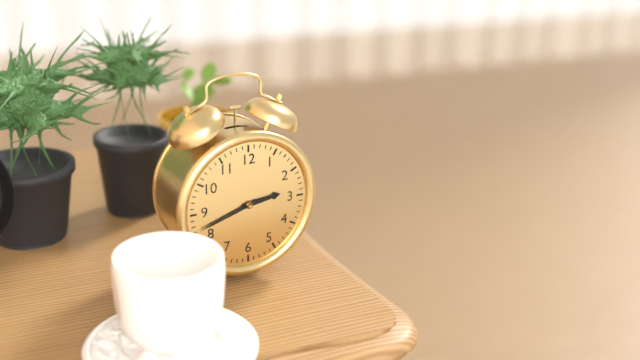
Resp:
h=2 m=42
